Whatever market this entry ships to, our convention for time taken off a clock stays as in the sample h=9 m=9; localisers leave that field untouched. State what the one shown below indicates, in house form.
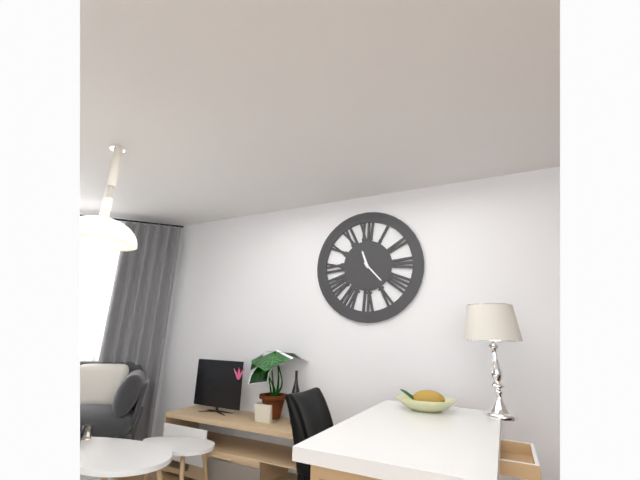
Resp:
h=11 m=23
